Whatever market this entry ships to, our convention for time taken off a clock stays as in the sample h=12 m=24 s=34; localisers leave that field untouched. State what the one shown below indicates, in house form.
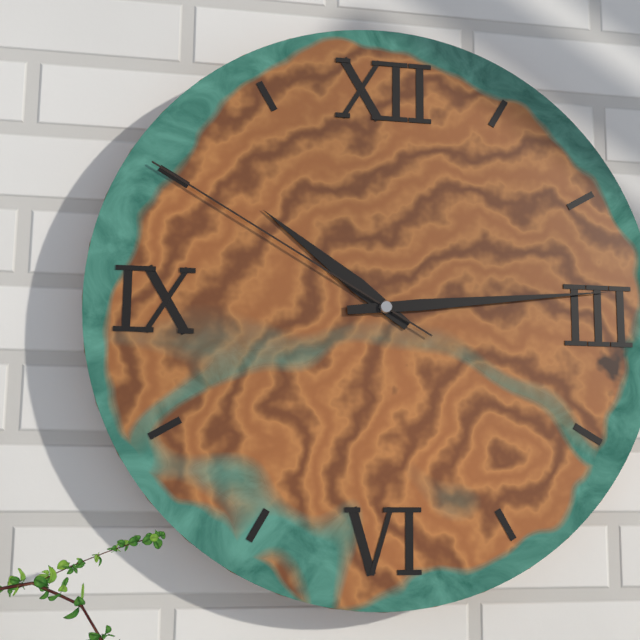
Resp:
h=10 m=14 s=50
